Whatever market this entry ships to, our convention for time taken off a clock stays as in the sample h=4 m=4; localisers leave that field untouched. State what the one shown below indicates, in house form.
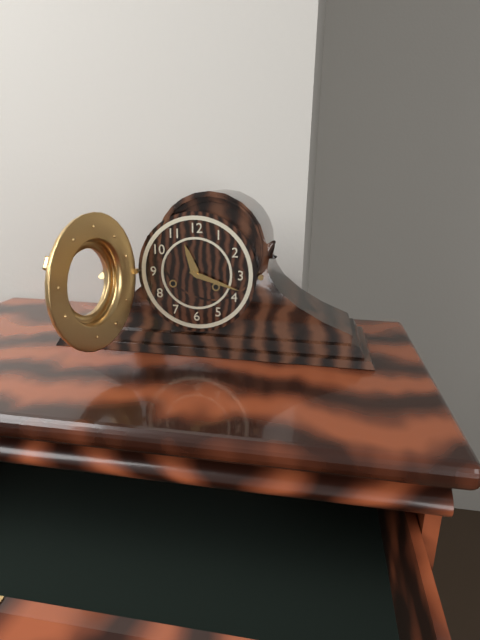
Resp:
h=11 m=18
